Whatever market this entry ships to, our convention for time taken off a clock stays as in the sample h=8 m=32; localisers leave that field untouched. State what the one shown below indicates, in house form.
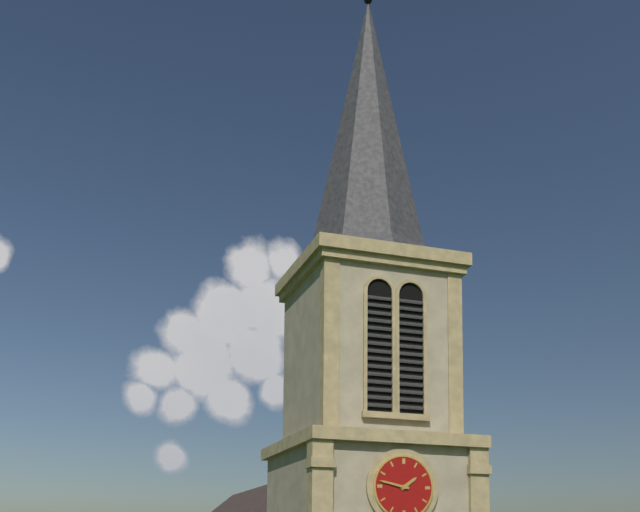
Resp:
h=1 m=47
